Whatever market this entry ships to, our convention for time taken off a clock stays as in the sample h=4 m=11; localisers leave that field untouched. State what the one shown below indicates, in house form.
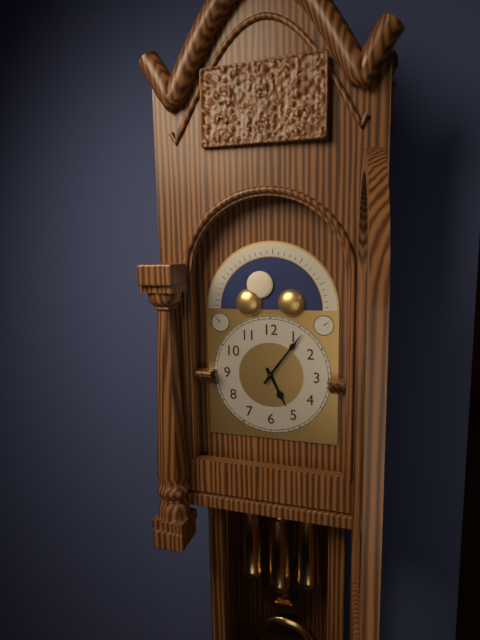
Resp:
h=5 m=6
